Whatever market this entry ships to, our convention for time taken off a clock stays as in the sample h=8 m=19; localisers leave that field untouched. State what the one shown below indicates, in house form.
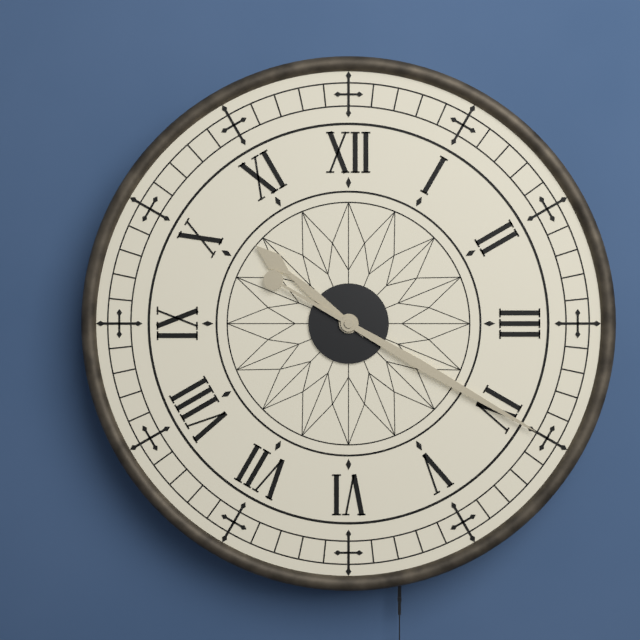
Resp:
h=10 m=20
